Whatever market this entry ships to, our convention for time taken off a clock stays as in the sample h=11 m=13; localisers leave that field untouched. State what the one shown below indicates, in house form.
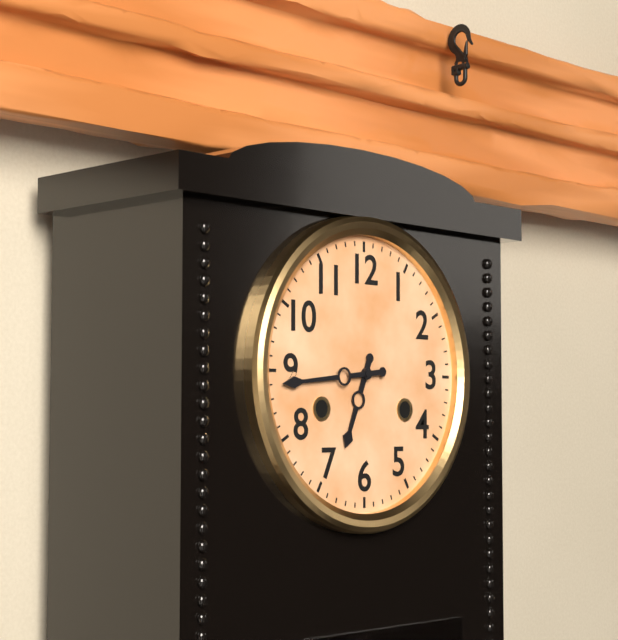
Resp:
h=6 m=44
